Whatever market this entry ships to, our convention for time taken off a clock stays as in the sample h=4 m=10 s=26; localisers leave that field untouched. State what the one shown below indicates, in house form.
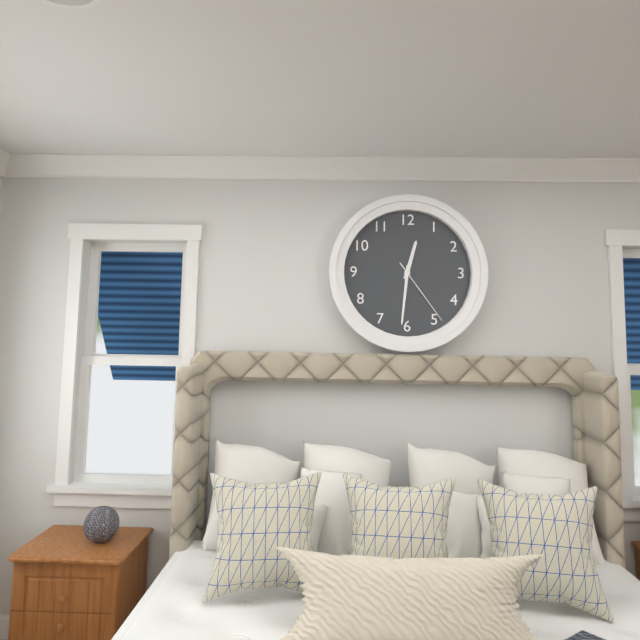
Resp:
h=12 m=31 s=24
